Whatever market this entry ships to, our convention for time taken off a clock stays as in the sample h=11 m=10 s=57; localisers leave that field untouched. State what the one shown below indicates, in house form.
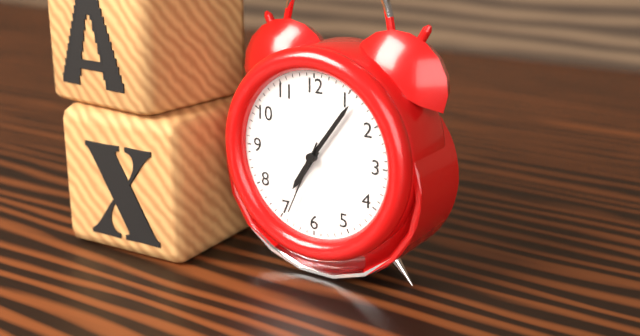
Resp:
h=7 m=6 s=34
